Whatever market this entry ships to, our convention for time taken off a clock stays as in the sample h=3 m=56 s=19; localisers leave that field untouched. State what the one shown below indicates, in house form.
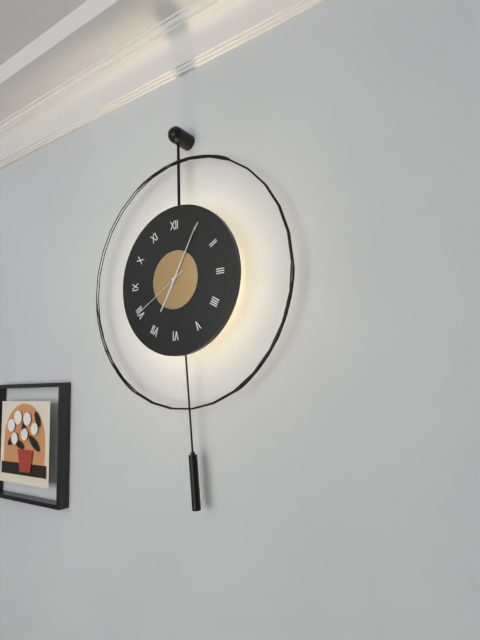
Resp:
h=7 m=5 s=40
